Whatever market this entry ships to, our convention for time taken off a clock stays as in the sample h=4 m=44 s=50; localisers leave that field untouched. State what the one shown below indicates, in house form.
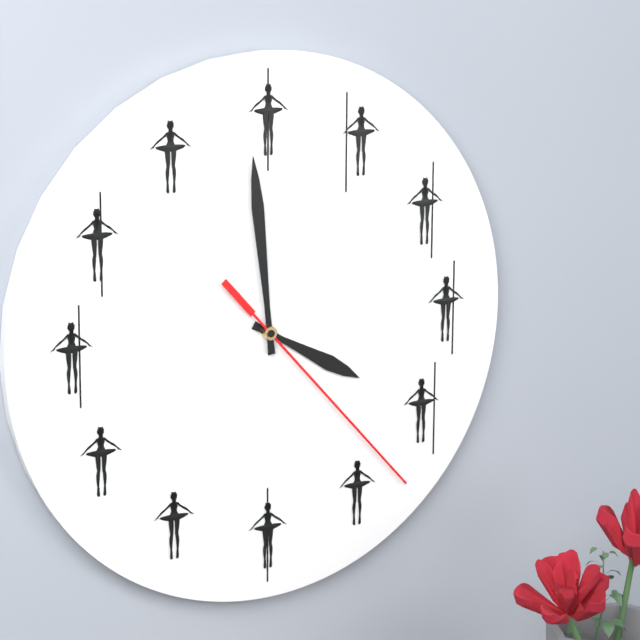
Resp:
h=3 m=59 s=23
